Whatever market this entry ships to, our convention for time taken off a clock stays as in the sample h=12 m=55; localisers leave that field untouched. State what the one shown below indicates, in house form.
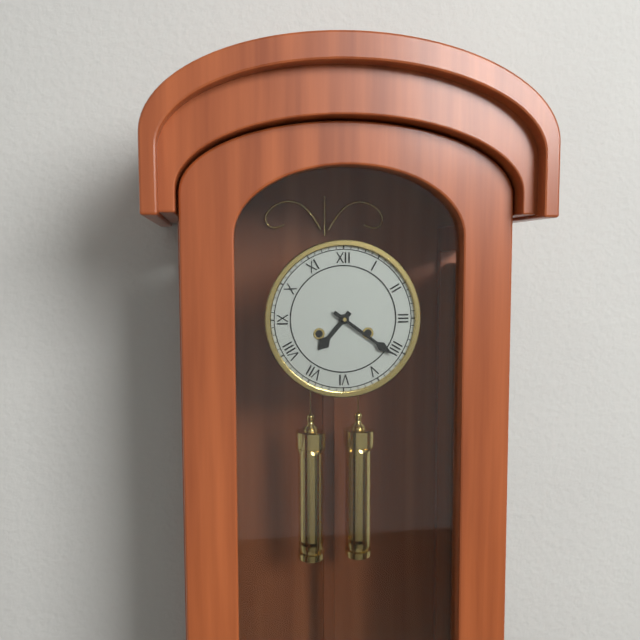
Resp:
h=7 m=21
